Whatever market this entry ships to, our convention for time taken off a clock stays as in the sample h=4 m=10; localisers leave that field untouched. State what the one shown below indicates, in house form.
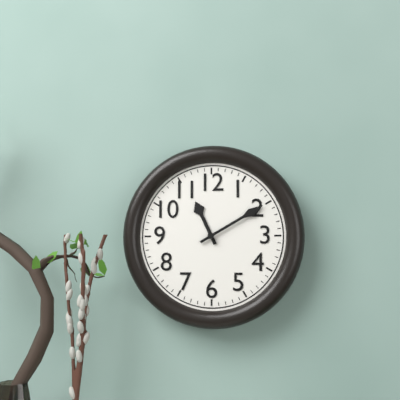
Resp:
h=11 m=10
